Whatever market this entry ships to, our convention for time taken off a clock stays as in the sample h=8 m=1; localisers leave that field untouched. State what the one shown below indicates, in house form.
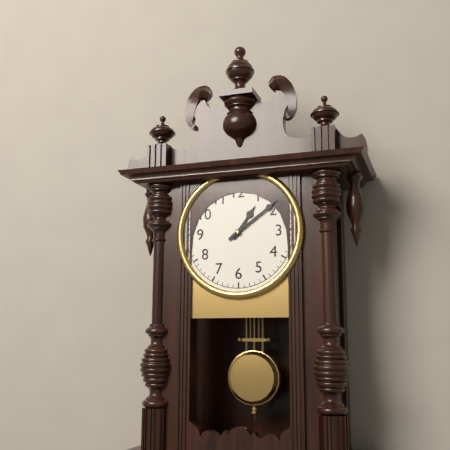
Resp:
h=1 m=9
